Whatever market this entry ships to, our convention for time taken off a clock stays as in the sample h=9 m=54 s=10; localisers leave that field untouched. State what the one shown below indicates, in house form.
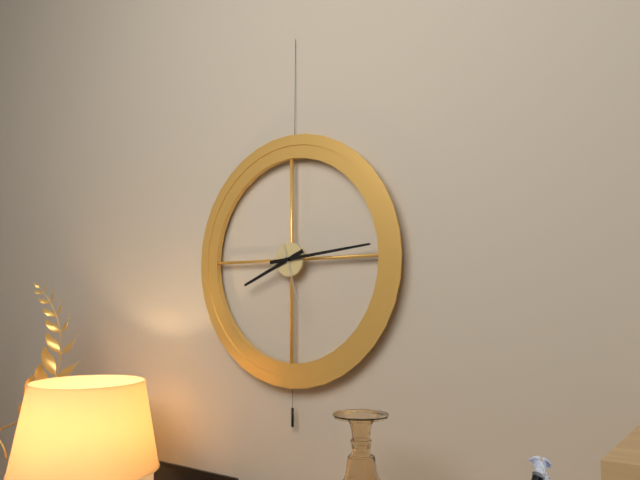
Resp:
h=8 m=14 s=27
